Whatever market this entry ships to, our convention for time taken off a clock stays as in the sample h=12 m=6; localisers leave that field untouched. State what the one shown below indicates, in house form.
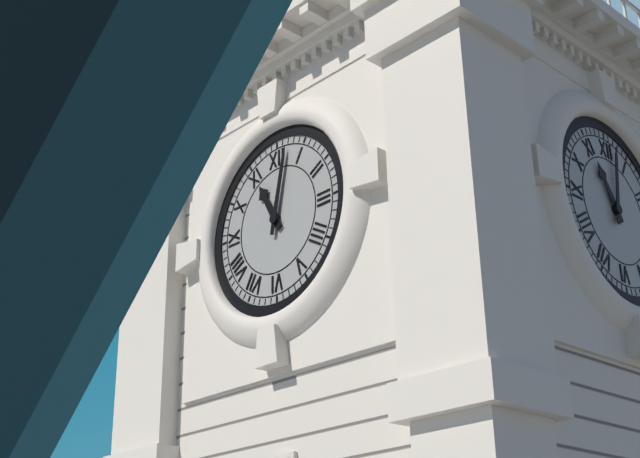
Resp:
h=11 m=2
